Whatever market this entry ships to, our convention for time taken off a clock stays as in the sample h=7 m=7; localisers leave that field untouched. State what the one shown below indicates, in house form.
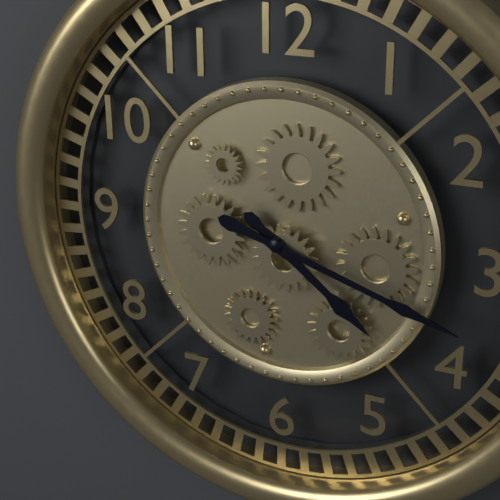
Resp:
h=4 m=18
